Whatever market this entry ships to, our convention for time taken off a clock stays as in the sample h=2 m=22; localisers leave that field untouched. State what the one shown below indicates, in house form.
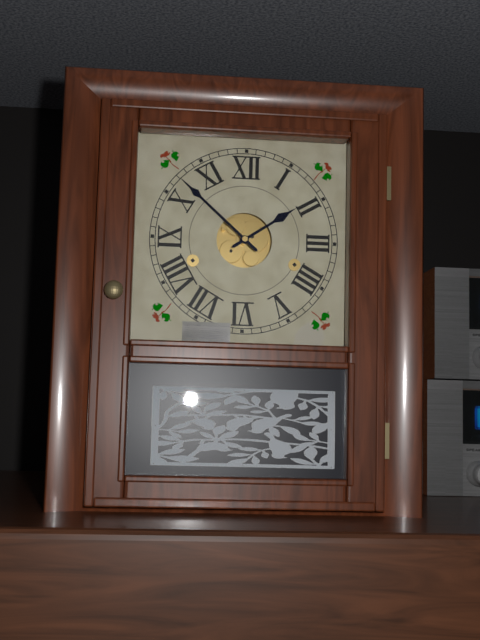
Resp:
h=1 m=52
